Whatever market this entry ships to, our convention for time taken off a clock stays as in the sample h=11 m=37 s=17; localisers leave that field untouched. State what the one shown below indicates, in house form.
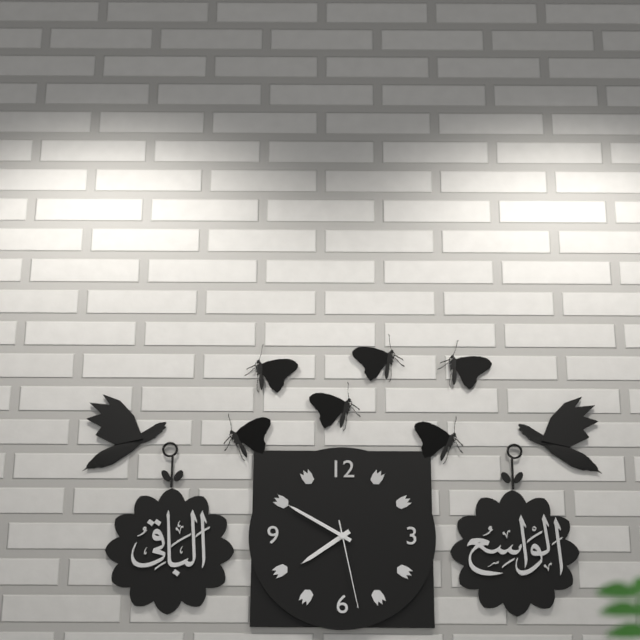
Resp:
h=7 m=50 s=28
